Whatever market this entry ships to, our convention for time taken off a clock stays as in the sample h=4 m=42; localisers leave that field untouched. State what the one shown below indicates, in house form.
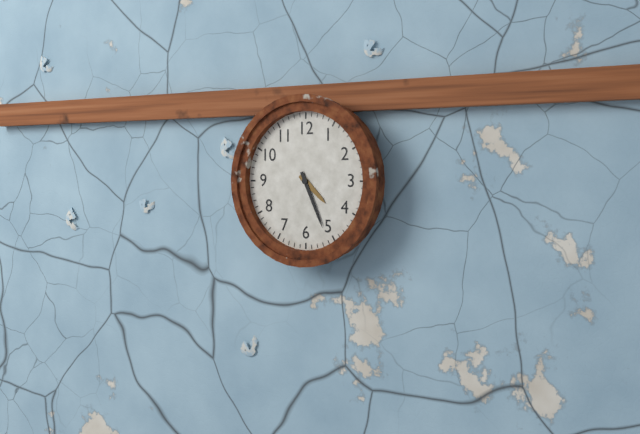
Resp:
h=4 m=26
